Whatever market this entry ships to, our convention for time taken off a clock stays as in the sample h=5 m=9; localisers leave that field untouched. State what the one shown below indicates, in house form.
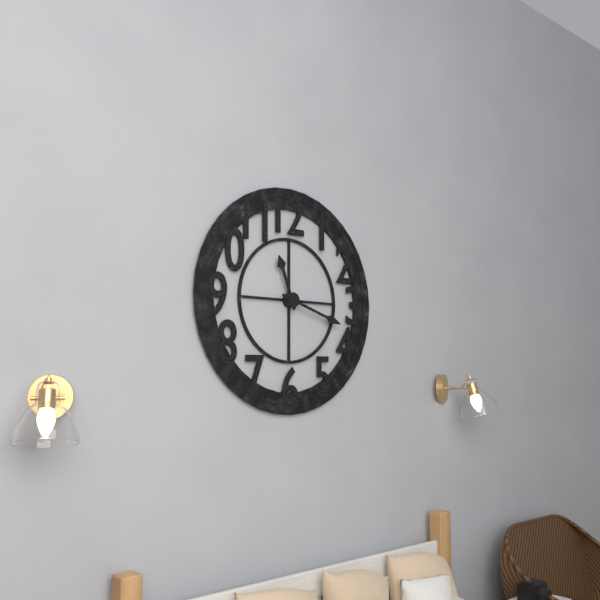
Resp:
h=11 m=18
